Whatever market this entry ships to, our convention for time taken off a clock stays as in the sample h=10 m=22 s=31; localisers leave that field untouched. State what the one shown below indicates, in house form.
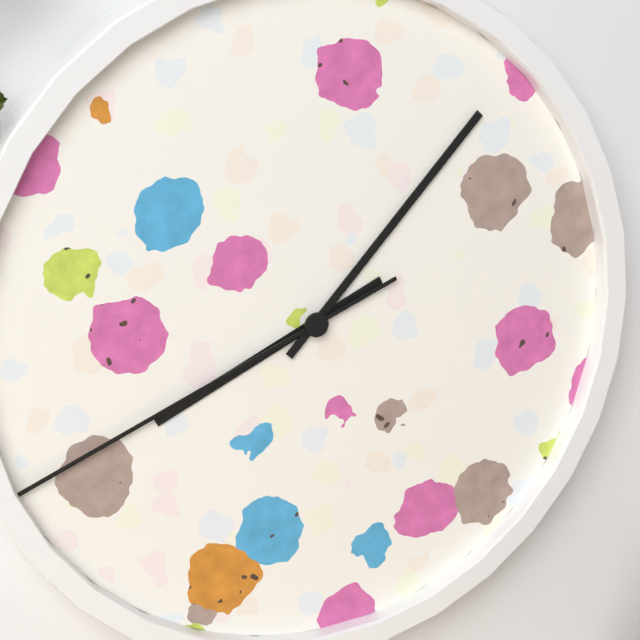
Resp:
h=8 m=7 s=41
